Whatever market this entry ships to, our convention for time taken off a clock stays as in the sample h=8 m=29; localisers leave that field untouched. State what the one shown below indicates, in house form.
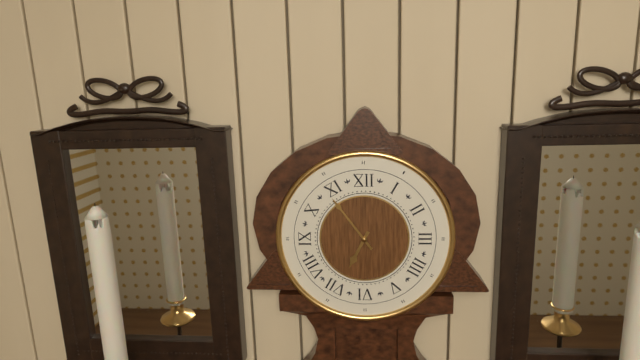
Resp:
h=6 m=54
